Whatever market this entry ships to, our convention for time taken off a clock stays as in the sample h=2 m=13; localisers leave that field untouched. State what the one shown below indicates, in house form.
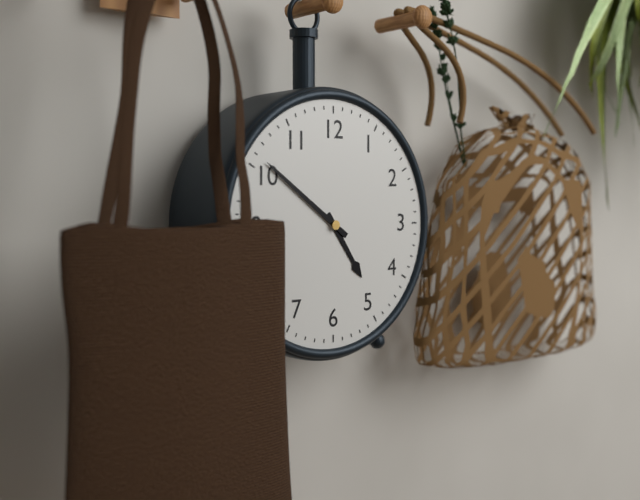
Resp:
h=4 m=51
